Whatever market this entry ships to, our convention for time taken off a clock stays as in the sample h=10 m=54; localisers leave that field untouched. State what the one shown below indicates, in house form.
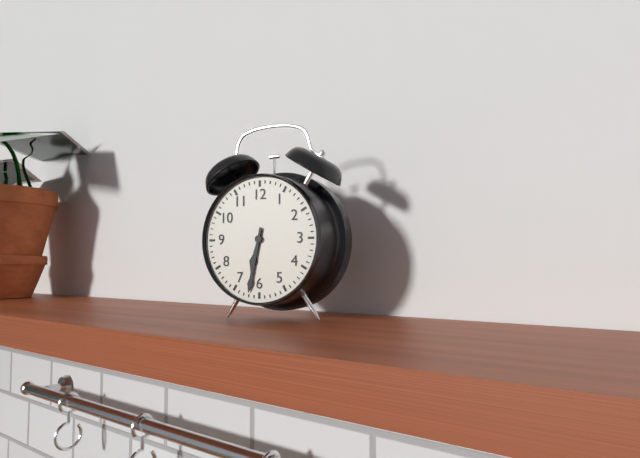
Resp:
h=6 m=32
